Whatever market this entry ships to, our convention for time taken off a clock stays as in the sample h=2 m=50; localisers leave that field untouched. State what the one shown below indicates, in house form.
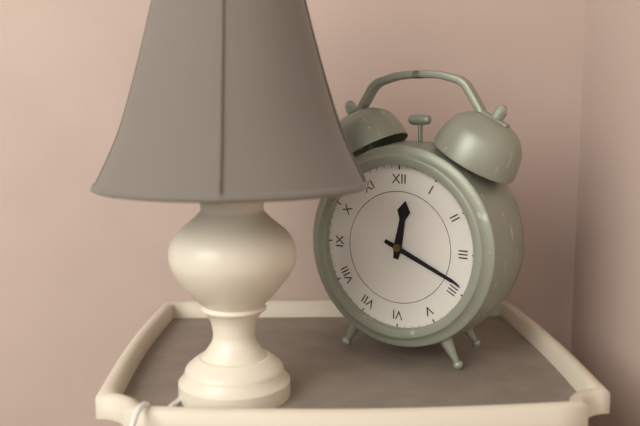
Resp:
h=12 m=19
